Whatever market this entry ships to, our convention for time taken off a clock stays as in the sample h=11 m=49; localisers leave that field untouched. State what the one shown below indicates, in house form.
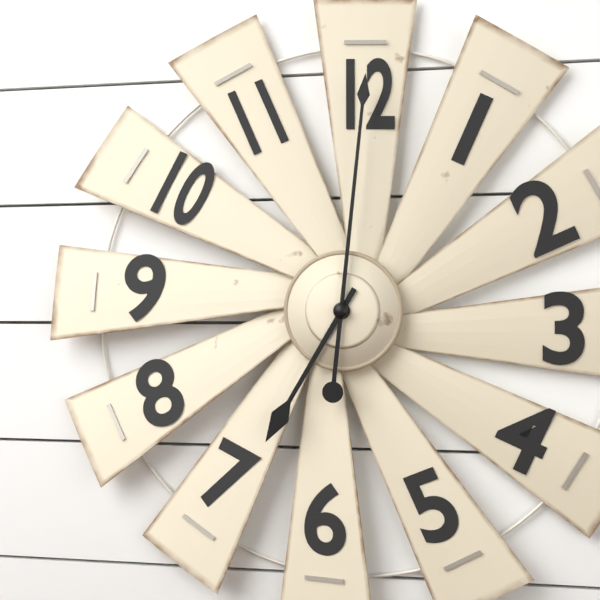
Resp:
h=7 m=1
